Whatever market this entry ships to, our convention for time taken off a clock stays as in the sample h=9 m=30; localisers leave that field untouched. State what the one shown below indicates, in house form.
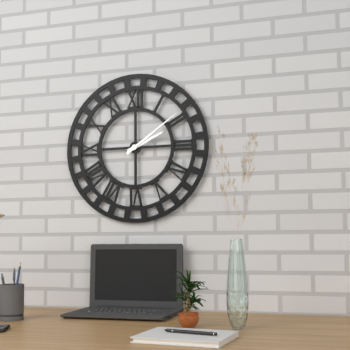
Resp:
h=2 m=9
